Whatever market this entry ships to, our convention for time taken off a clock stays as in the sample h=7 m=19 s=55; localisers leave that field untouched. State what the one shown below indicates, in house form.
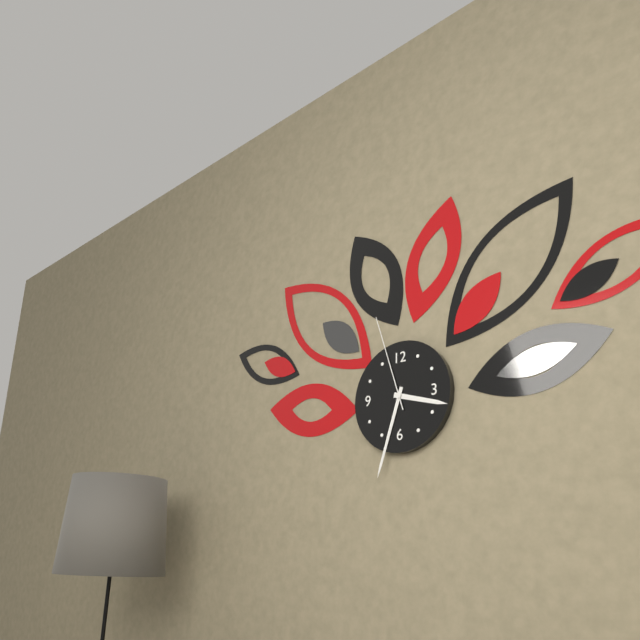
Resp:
h=3 m=33 s=57
